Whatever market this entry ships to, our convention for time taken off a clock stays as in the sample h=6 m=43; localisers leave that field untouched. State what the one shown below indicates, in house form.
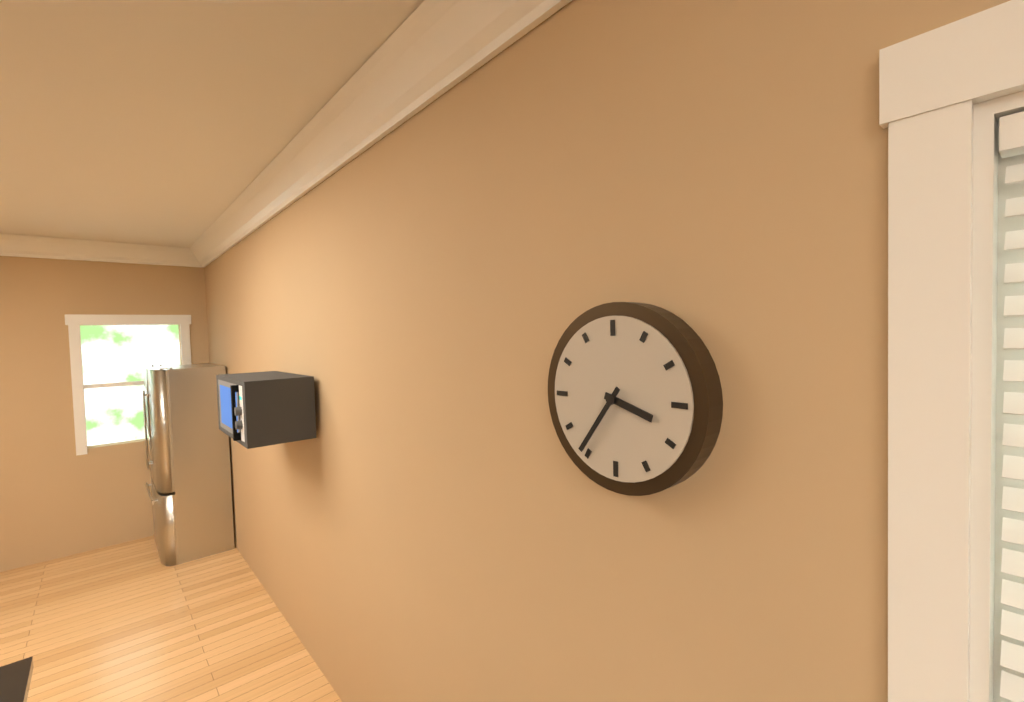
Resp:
h=3 m=36
